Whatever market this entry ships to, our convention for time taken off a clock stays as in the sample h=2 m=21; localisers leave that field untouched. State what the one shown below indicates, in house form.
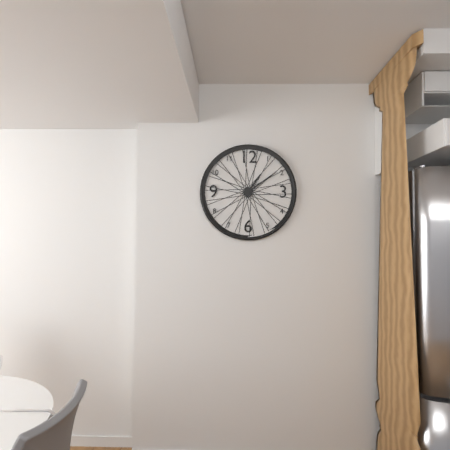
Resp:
h=1 m=9
